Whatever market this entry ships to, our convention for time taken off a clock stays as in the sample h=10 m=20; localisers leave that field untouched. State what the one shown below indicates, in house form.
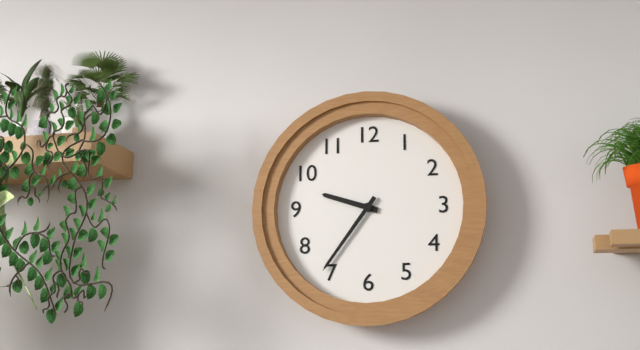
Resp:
h=9 m=36
